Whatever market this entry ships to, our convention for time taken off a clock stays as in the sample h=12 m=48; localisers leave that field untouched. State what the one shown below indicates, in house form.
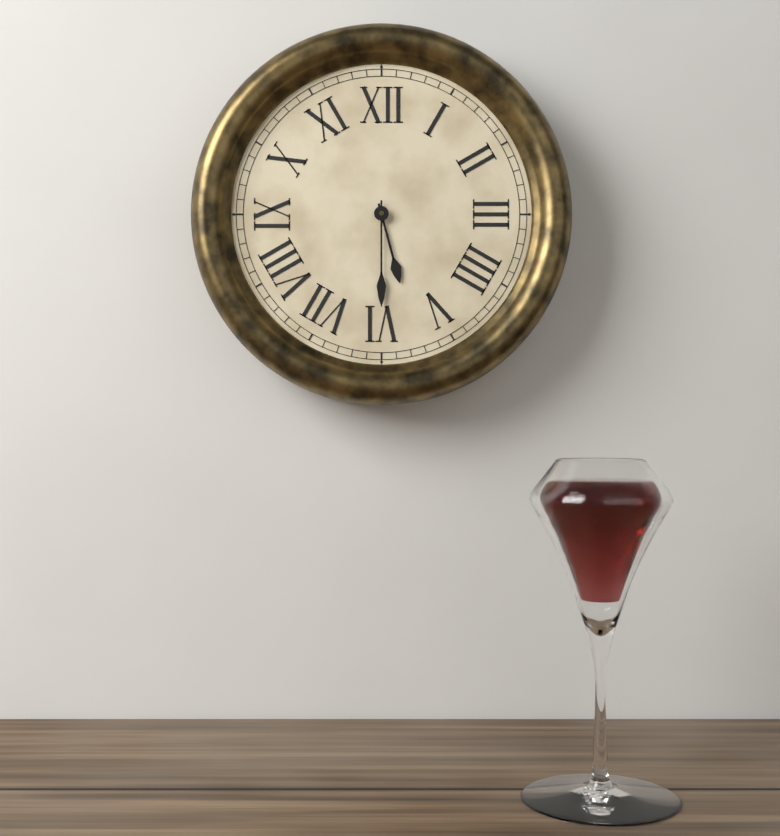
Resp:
h=5 m=30
